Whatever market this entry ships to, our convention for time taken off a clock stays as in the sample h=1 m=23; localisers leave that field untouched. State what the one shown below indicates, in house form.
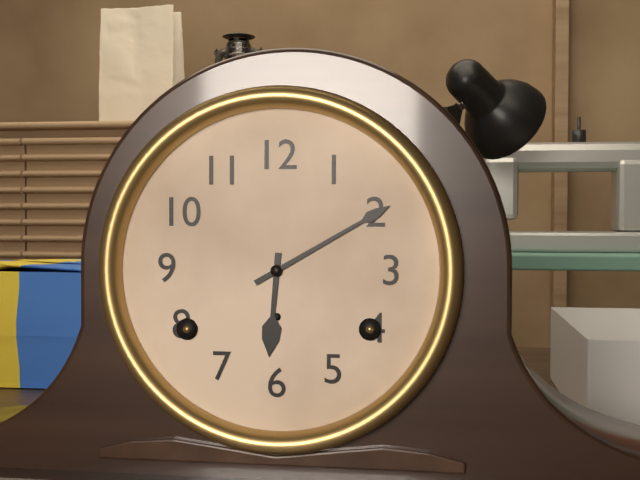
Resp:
h=6 m=10
